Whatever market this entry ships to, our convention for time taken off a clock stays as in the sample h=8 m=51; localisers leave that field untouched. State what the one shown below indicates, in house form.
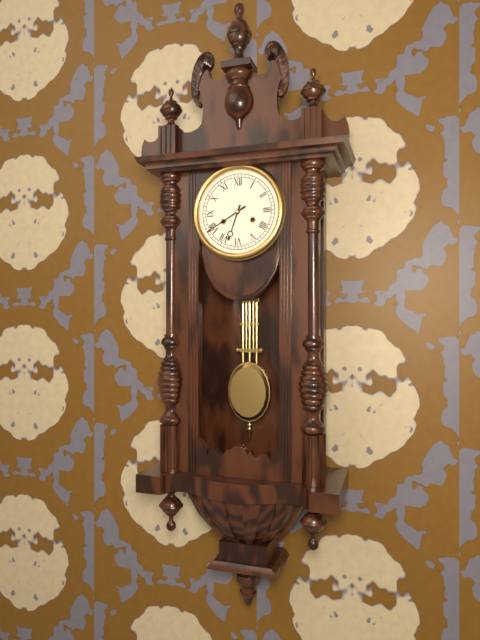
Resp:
h=6 m=40
